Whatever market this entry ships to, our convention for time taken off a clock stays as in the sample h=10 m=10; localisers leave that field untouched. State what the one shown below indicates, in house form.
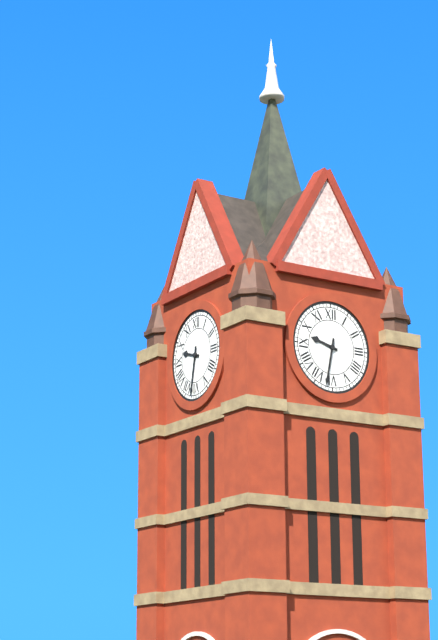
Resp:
h=9 m=32
